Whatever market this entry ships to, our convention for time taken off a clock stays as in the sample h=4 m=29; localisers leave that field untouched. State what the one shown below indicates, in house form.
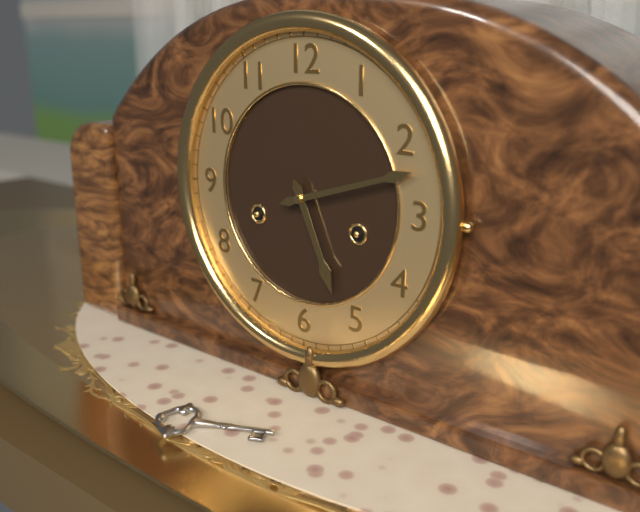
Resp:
h=5 m=12
